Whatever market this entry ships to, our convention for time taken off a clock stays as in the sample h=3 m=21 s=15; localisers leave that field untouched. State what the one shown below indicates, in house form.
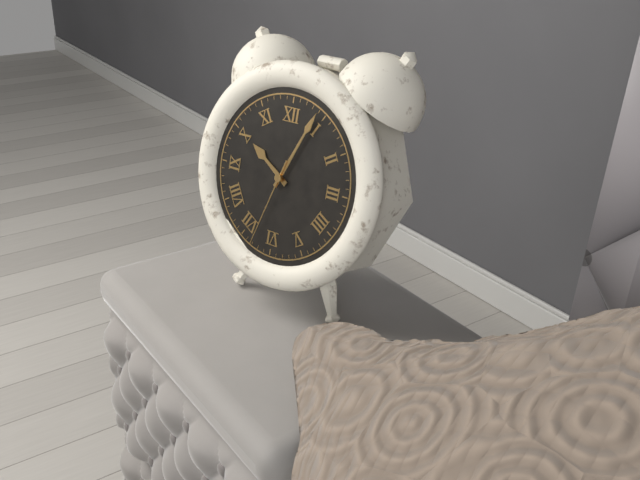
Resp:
h=10 m=4 s=33
